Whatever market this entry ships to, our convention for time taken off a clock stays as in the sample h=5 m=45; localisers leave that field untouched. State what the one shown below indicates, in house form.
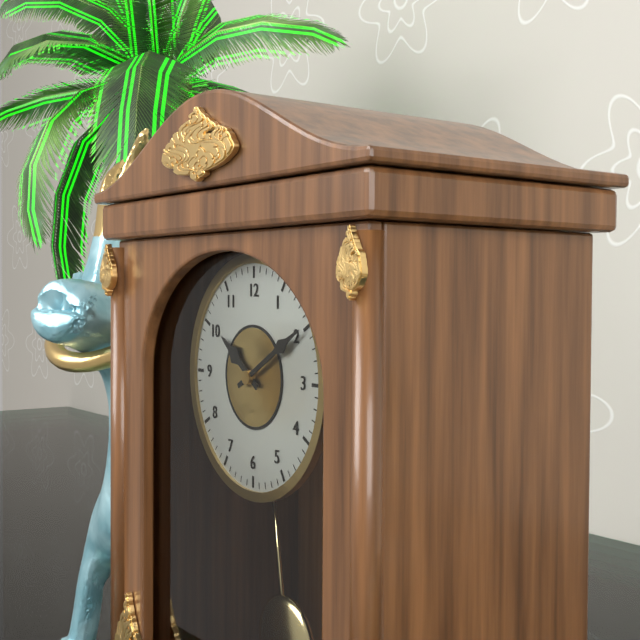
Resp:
h=10 m=10
